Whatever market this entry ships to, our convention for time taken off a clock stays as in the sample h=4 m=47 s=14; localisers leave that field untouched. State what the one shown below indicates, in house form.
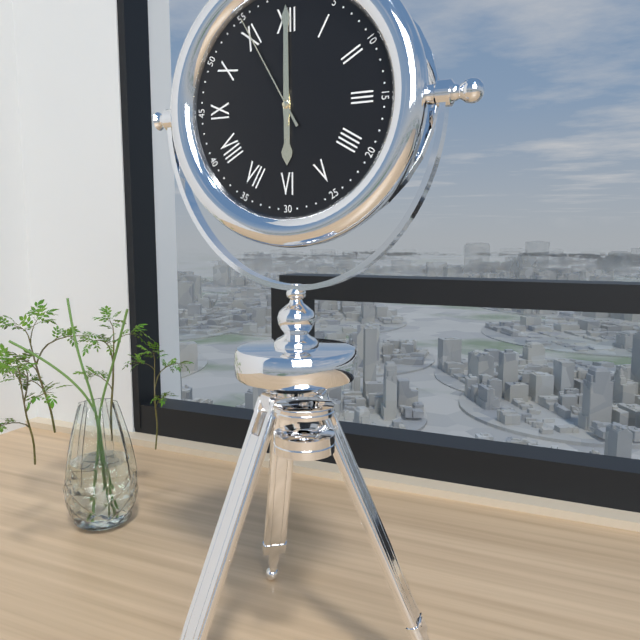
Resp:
h=6 m=0 s=55
